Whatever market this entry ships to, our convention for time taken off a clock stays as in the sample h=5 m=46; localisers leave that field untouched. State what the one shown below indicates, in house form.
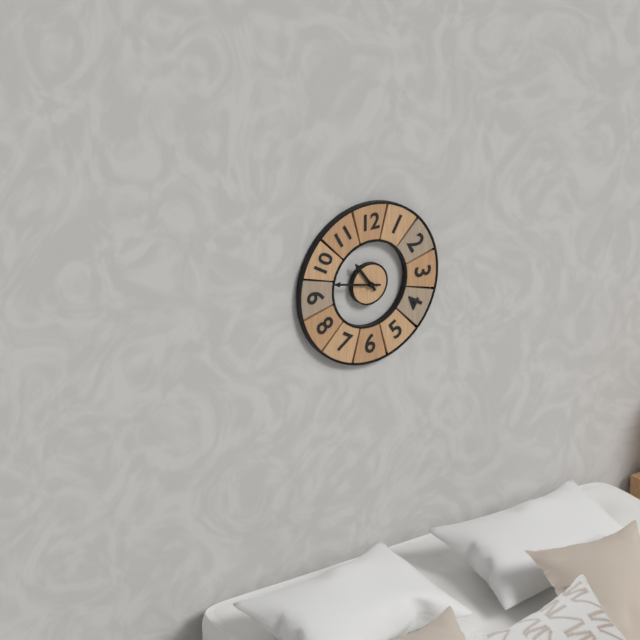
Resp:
h=10 m=47
